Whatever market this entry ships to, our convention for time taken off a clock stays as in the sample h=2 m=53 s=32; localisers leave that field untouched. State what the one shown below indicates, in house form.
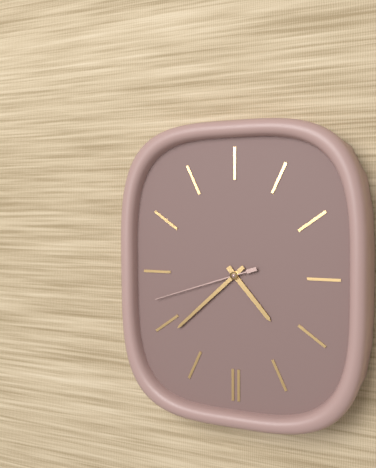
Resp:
h=4 m=38 s=42
